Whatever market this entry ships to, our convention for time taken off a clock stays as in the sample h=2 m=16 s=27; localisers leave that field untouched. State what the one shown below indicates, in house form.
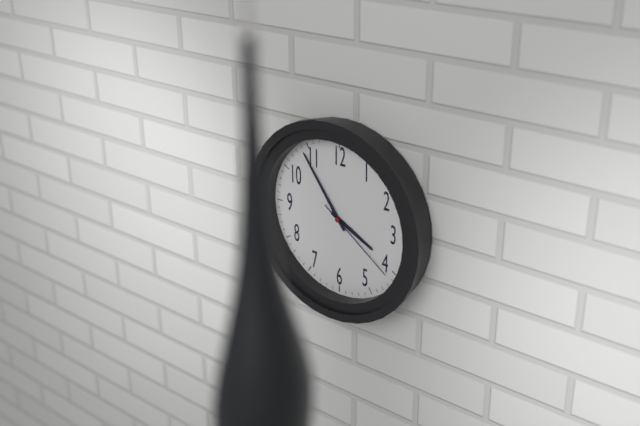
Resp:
h=3 m=54 s=21
